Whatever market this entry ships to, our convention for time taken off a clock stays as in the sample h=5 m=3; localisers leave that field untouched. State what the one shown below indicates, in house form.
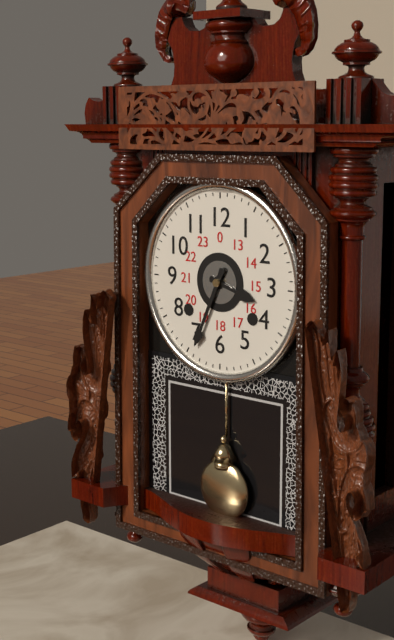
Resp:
h=3 m=34
